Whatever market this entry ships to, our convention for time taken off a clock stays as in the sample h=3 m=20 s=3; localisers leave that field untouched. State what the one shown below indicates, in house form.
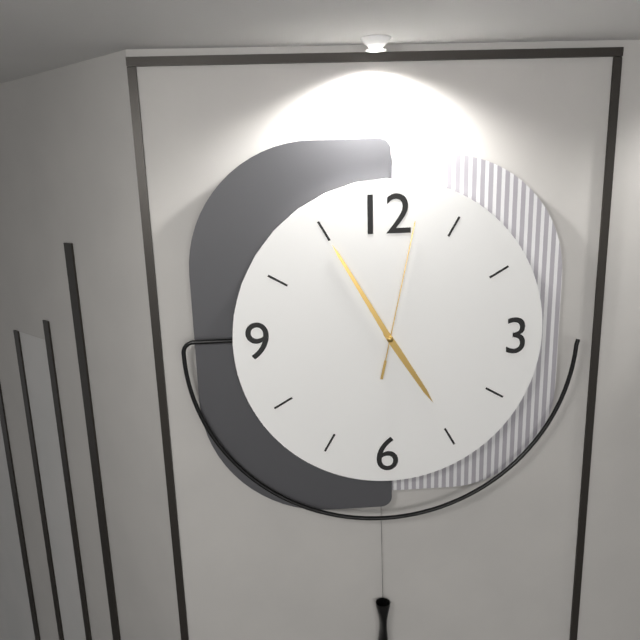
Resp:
h=4 m=55 s=2
